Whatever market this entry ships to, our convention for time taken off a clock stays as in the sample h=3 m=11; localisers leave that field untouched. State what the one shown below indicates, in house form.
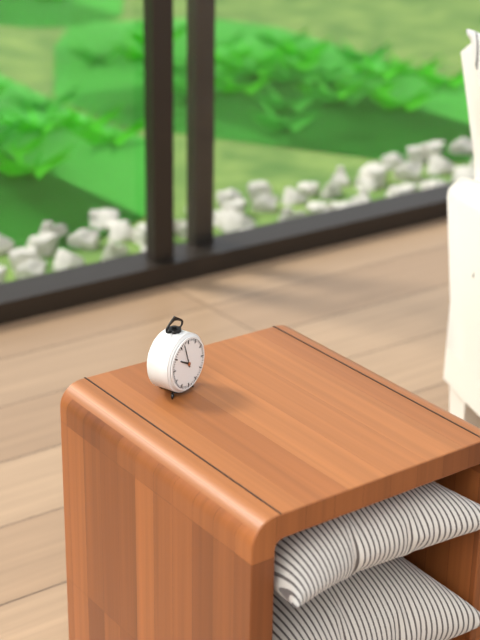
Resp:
h=9 m=57
